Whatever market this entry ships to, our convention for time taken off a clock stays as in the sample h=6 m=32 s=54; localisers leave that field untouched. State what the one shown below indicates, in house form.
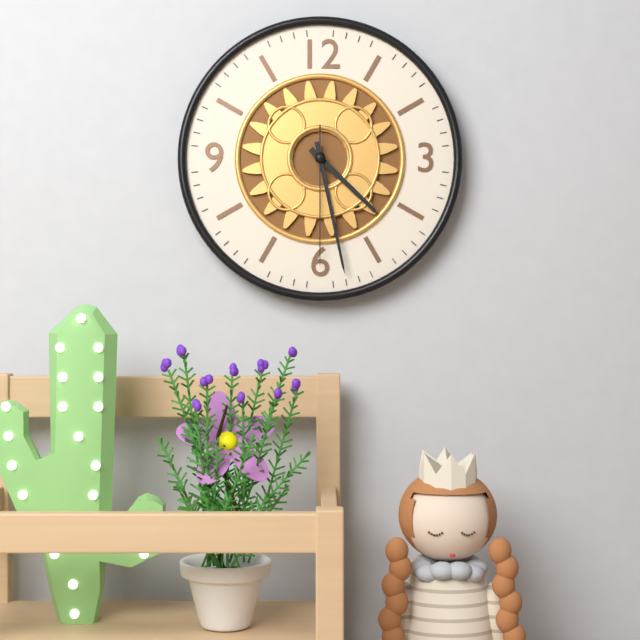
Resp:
h=4 m=28 s=30
